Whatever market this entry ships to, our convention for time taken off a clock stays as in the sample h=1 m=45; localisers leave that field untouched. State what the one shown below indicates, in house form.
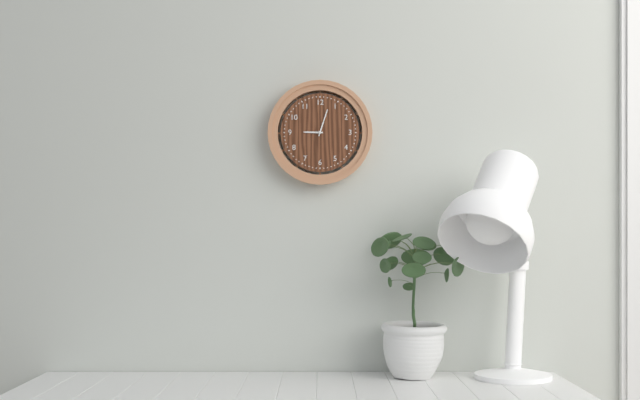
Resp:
h=9 m=3
